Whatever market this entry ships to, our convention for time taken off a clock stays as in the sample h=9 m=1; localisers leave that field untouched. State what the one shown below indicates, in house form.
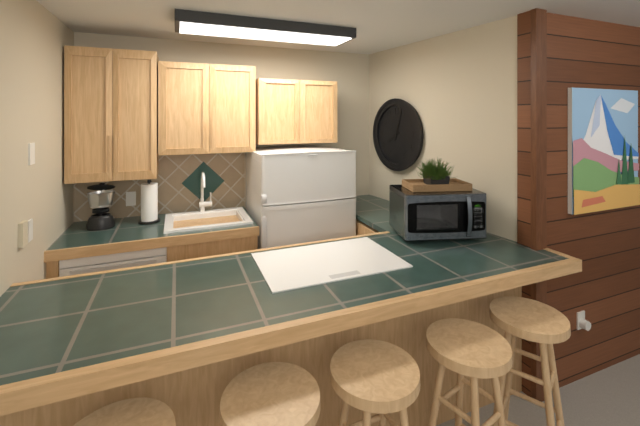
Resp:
h=8 m=3
